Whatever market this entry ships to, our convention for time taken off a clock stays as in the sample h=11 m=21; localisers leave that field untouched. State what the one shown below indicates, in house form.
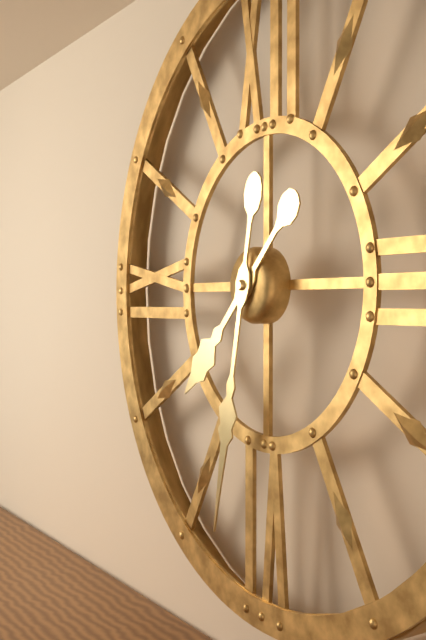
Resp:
h=7 m=32
